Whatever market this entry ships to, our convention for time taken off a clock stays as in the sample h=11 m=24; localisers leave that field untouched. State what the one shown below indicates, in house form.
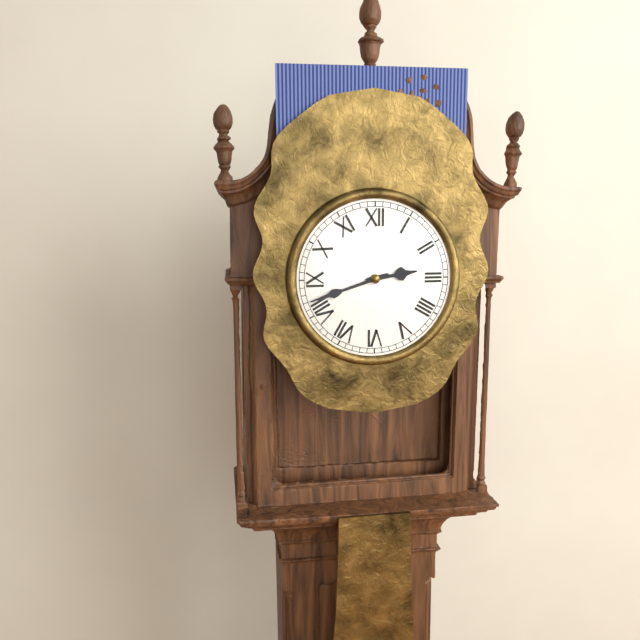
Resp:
h=2 m=42
